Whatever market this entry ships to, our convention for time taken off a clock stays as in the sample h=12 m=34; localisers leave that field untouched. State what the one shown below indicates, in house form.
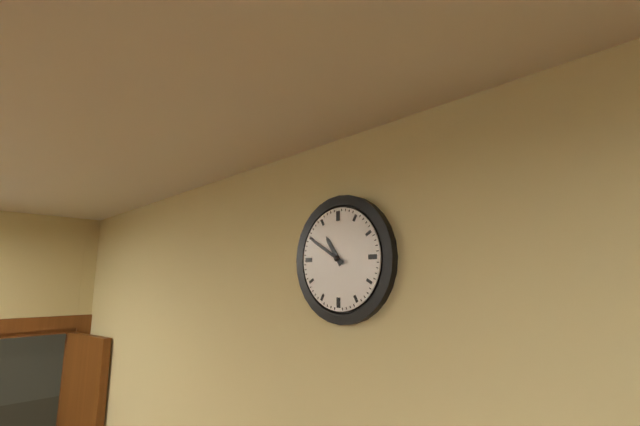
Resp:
h=10 m=50
